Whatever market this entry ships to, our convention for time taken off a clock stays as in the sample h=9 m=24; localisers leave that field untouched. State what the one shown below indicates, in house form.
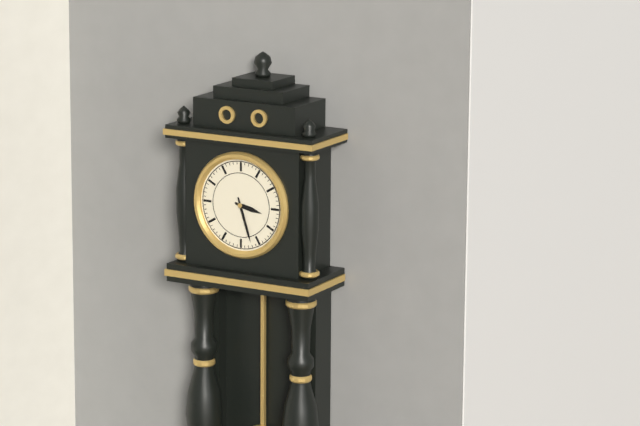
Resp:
h=3 m=27
